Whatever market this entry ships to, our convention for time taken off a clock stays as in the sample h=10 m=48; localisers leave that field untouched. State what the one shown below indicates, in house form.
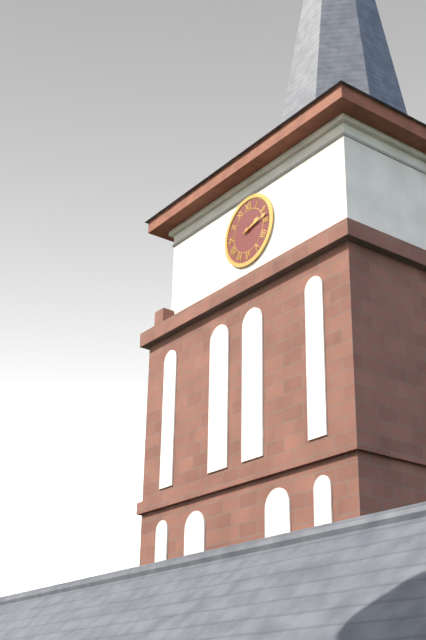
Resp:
h=2 m=13
